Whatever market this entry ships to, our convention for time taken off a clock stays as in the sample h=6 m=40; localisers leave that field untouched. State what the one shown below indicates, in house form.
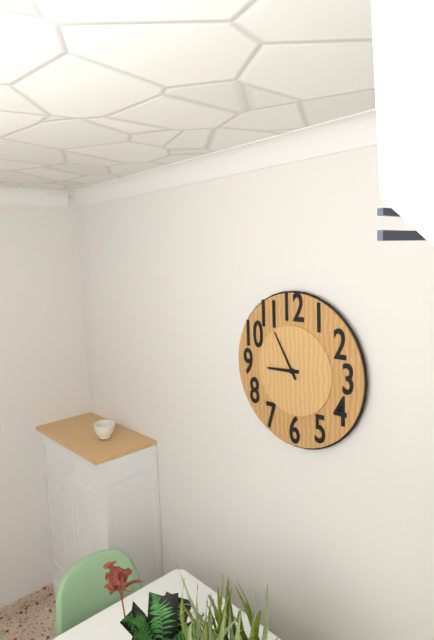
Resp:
h=8 m=55
